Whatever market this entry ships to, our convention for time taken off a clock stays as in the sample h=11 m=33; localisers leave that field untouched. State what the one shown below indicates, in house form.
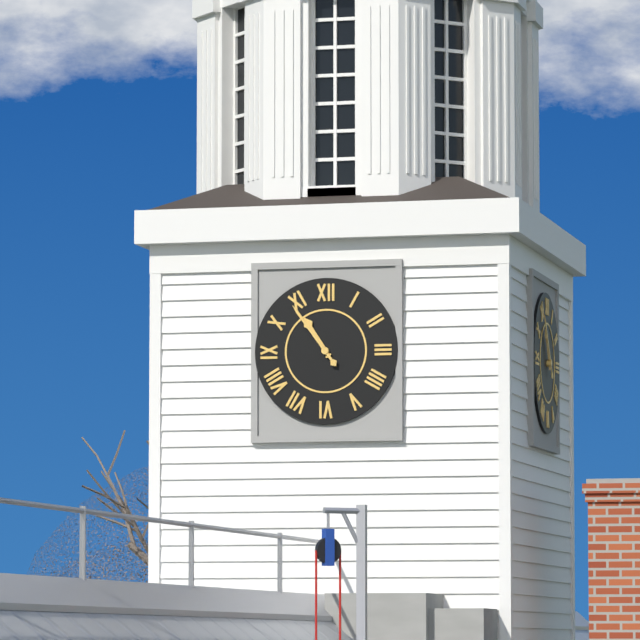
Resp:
h=10 m=54
